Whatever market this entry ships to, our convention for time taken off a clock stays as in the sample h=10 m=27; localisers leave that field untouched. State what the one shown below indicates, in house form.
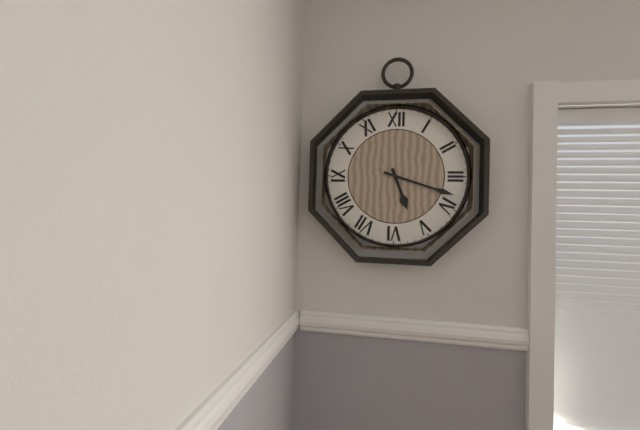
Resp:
h=5 m=18
